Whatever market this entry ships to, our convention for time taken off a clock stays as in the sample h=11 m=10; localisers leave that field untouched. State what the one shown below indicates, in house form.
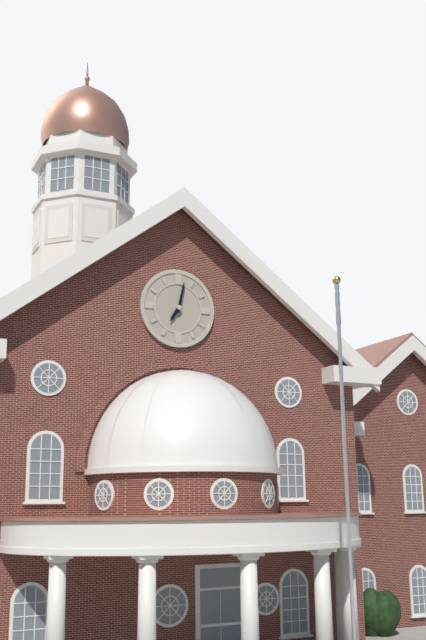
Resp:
h=7 m=2
